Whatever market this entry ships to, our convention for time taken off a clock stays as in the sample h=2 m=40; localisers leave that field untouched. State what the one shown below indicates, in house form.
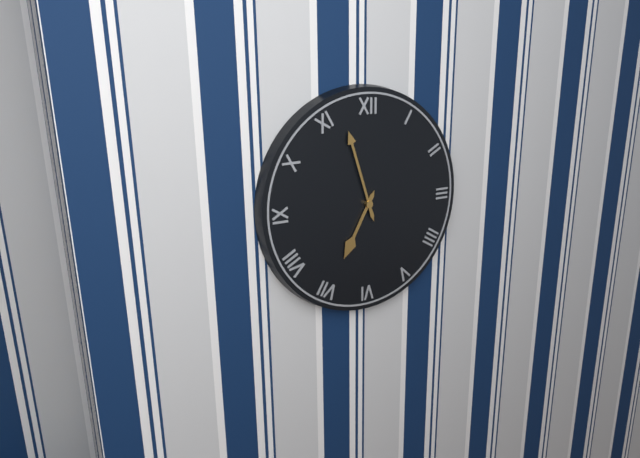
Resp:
h=6 m=57
